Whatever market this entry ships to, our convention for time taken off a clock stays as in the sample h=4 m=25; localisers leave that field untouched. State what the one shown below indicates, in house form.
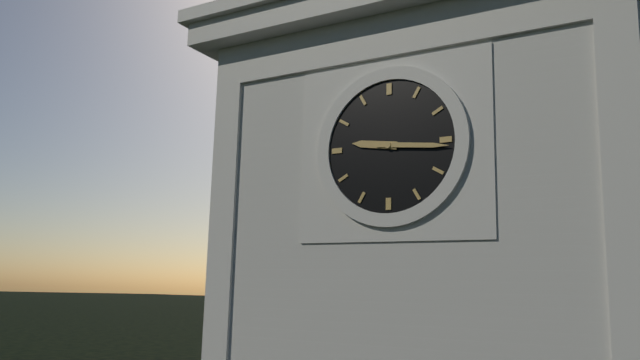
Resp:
h=9 m=16
